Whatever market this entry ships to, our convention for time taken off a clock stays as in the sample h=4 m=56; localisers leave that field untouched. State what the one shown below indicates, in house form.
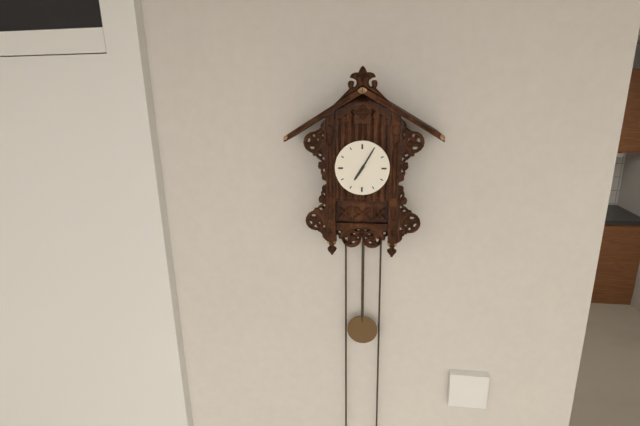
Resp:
h=7 m=5
